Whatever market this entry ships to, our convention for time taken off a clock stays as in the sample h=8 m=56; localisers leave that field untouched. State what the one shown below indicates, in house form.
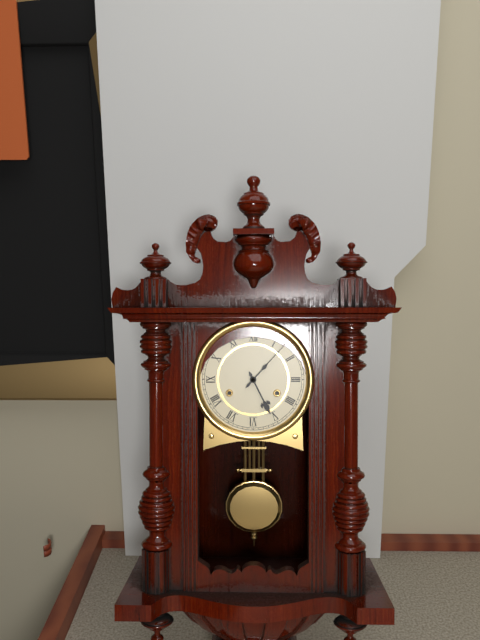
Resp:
h=5 m=7
